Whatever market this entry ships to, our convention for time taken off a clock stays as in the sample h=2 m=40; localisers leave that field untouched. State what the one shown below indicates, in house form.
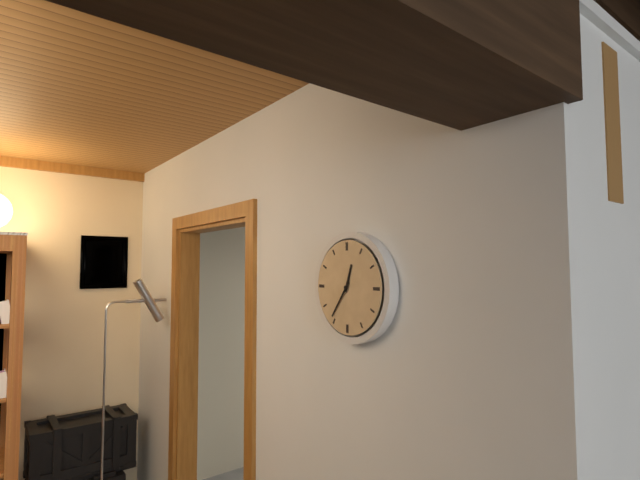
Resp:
h=12 m=36
